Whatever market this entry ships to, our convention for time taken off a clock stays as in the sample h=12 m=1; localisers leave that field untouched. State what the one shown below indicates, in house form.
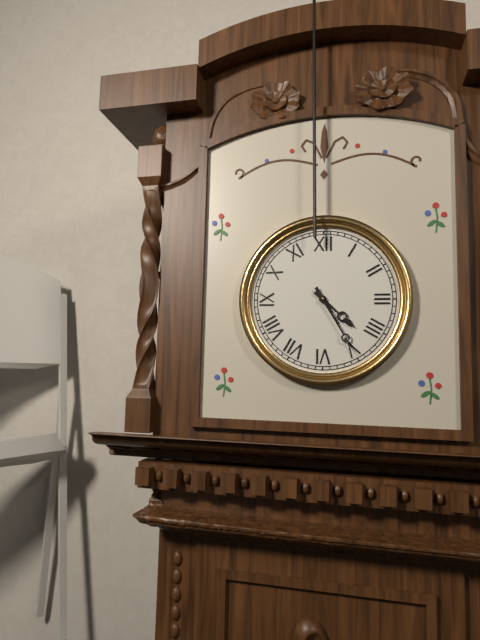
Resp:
h=4 m=25
